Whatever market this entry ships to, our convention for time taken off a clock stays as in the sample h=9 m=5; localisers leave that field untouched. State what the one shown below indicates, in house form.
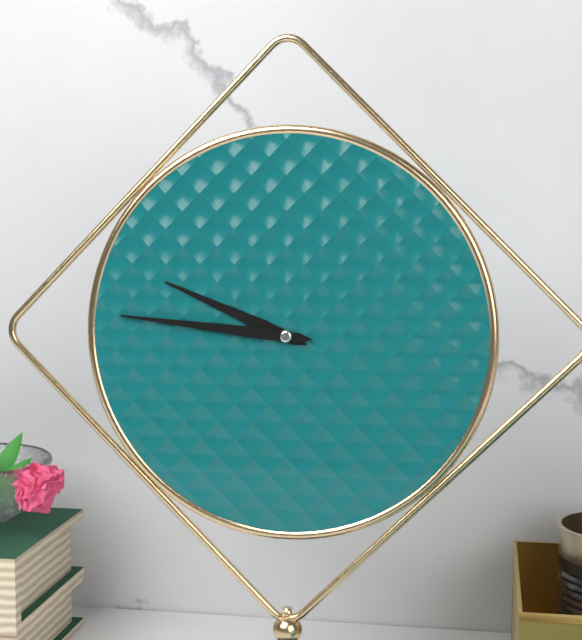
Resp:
h=9 m=46
